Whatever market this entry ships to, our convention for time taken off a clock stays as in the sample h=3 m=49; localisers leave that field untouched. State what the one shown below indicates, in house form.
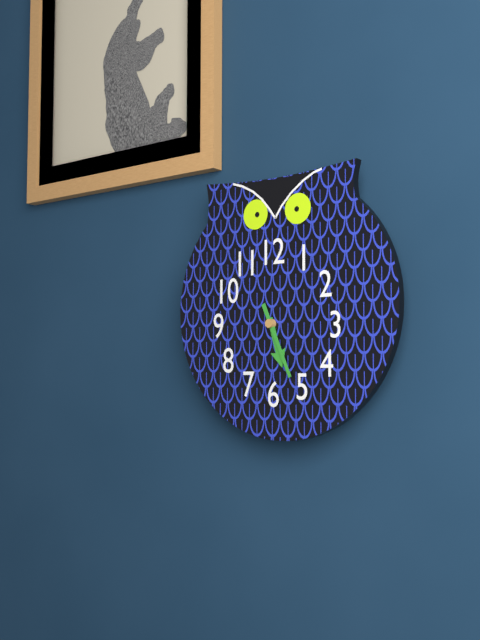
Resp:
h=5 m=26
